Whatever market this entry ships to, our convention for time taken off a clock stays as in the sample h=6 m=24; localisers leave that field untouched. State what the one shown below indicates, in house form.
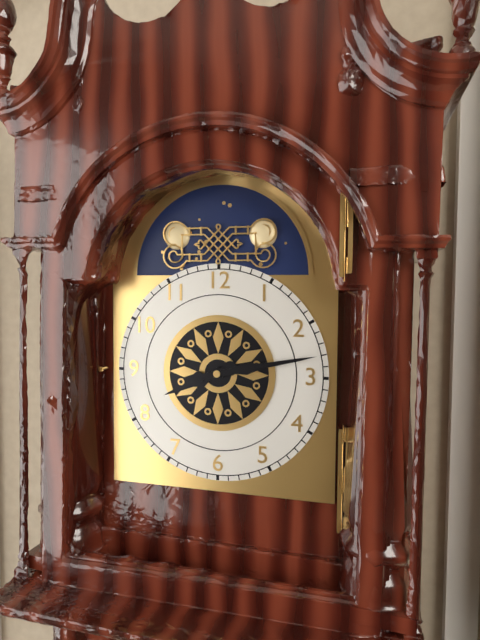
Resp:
h=8 m=13
